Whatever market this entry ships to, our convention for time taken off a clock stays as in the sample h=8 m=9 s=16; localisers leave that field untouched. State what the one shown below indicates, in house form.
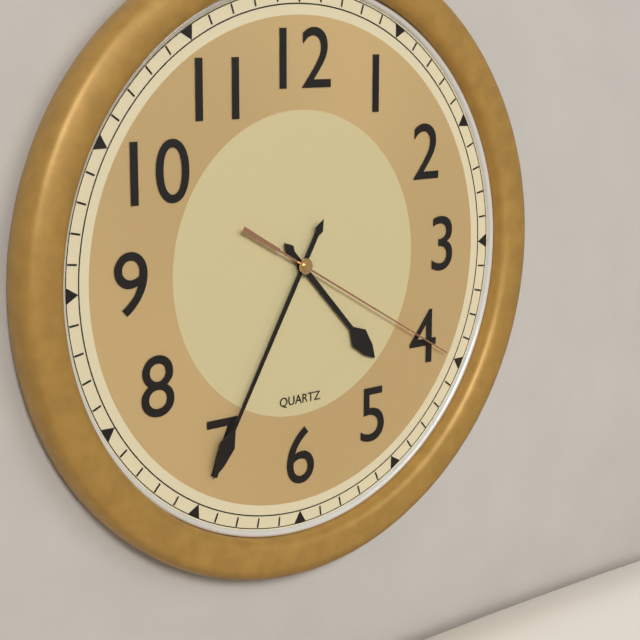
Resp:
h=4 m=35 s=20
